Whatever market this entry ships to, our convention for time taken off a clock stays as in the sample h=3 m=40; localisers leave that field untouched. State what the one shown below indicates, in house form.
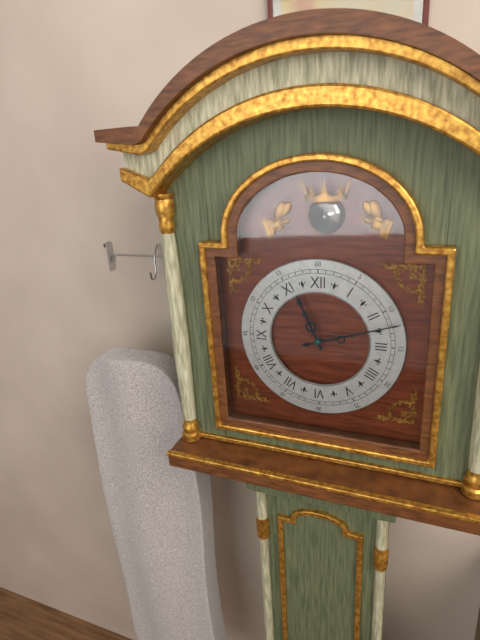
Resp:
h=11 m=12
